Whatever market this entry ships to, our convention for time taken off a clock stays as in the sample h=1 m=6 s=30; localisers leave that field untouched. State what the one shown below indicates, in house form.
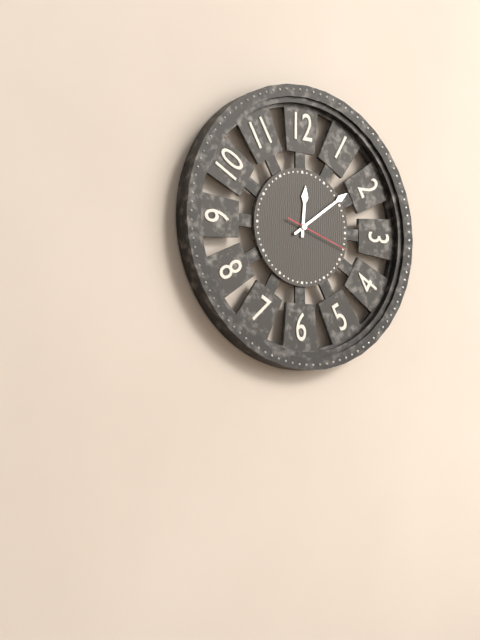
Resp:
h=12 m=9 s=18
